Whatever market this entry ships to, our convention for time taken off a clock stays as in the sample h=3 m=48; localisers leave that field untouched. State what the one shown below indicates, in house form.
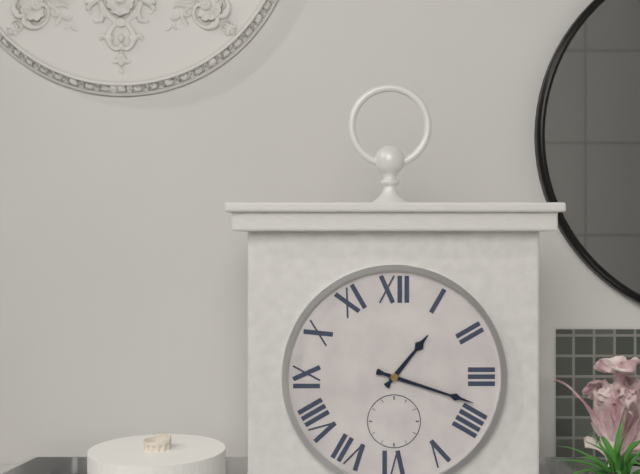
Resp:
h=1 m=18
